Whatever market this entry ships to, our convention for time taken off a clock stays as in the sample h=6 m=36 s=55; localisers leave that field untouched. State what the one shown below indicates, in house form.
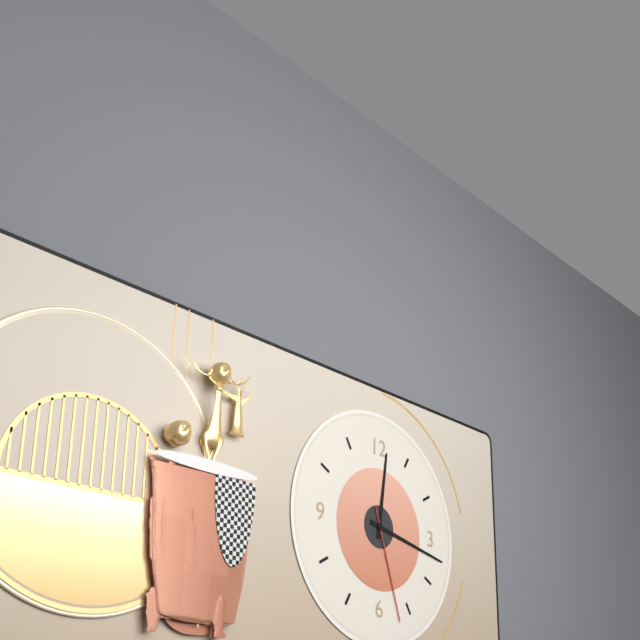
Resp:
h=12 m=17 s=27
